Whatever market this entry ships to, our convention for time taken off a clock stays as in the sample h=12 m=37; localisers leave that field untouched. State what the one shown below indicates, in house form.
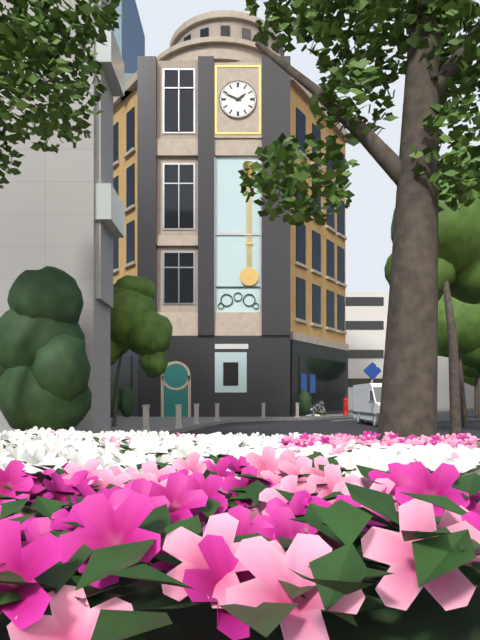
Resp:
h=1 m=49
